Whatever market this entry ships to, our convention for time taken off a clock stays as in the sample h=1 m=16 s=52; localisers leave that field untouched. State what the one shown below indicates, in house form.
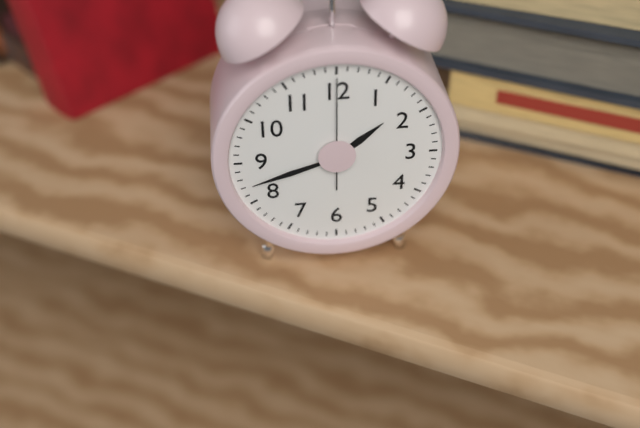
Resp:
h=1 m=42 s=0
